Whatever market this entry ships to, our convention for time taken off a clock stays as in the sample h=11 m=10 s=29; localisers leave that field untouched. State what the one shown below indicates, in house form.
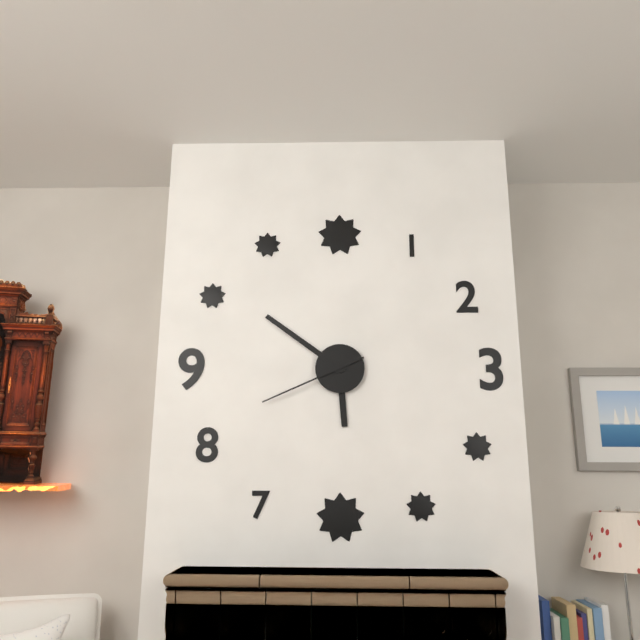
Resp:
h=5 m=51 s=41
